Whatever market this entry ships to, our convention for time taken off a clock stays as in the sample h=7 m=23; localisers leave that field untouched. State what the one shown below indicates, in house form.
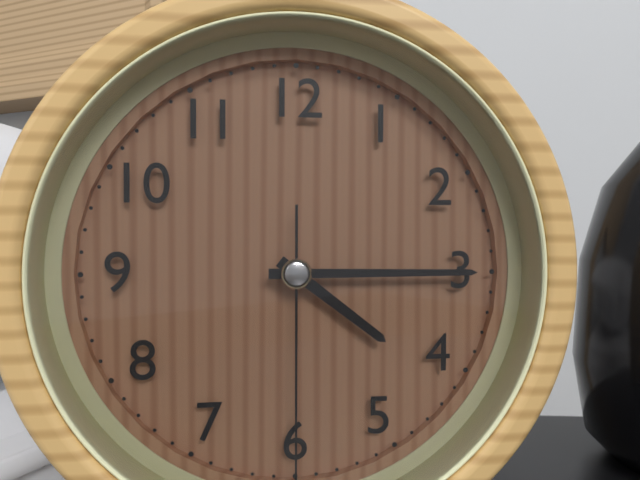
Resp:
h=4 m=15
